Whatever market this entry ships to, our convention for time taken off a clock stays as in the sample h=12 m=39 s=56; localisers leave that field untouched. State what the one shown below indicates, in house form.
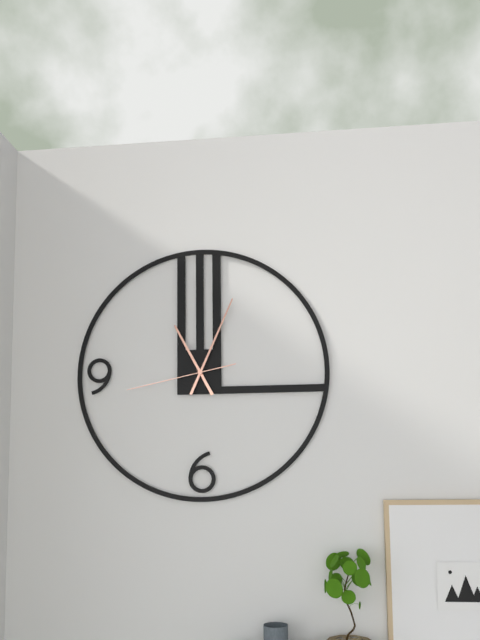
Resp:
h=11 m=4 s=43
